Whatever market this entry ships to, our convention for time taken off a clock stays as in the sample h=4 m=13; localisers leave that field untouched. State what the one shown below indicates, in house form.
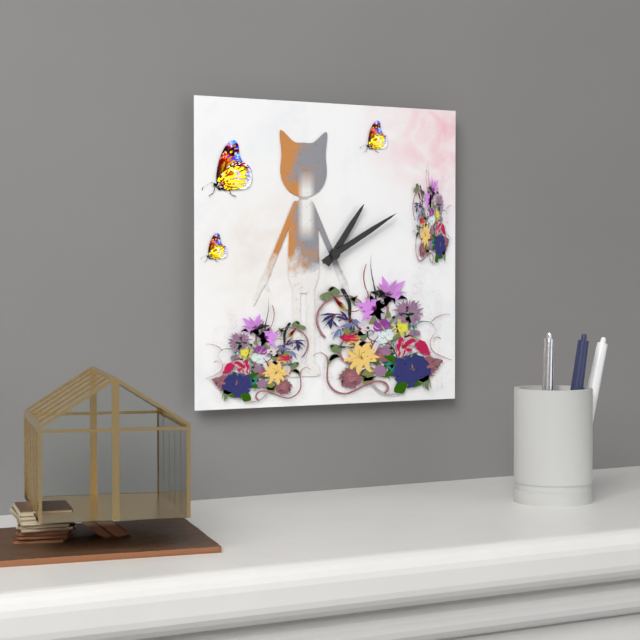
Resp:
h=1 m=10
